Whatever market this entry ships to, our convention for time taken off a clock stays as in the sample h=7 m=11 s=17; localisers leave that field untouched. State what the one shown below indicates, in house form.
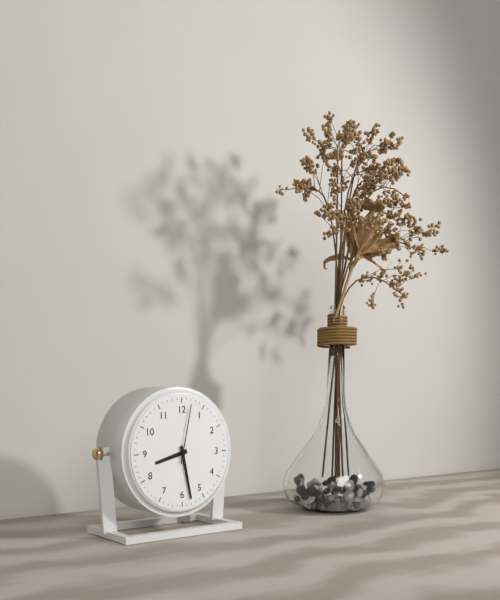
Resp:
h=8 m=28 s=2
